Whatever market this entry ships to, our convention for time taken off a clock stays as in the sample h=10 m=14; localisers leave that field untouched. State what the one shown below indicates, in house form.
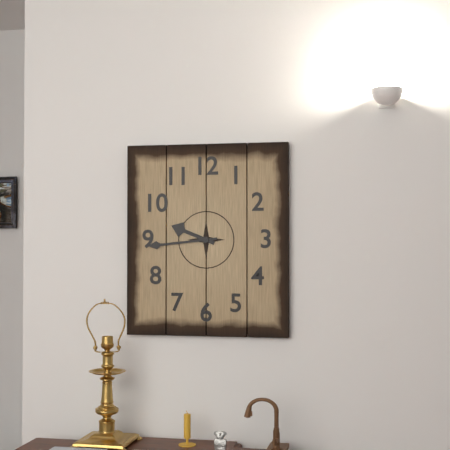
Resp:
h=9 m=44
